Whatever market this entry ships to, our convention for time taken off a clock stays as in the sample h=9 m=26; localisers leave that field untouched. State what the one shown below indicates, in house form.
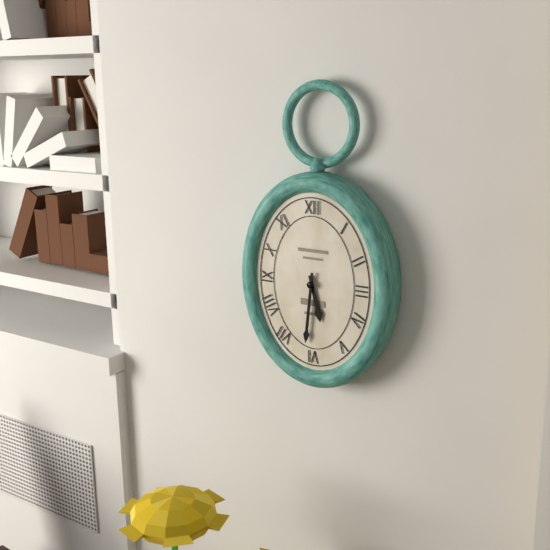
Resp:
h=5 m=31
